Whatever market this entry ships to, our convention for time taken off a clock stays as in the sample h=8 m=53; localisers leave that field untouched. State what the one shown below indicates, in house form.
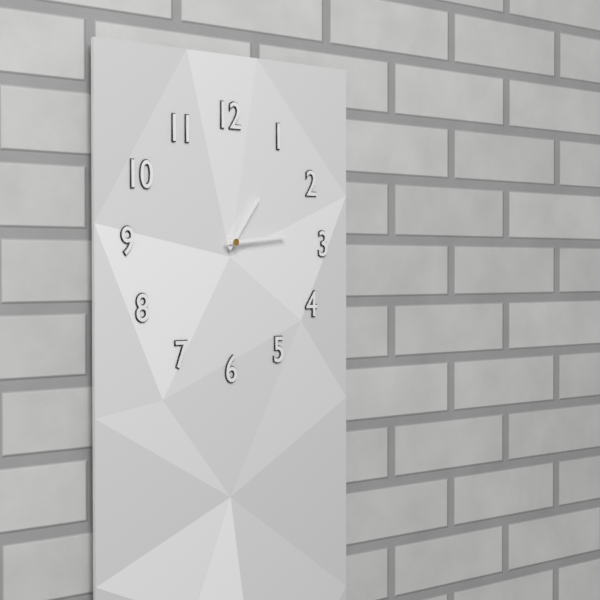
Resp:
h=1 m=14
